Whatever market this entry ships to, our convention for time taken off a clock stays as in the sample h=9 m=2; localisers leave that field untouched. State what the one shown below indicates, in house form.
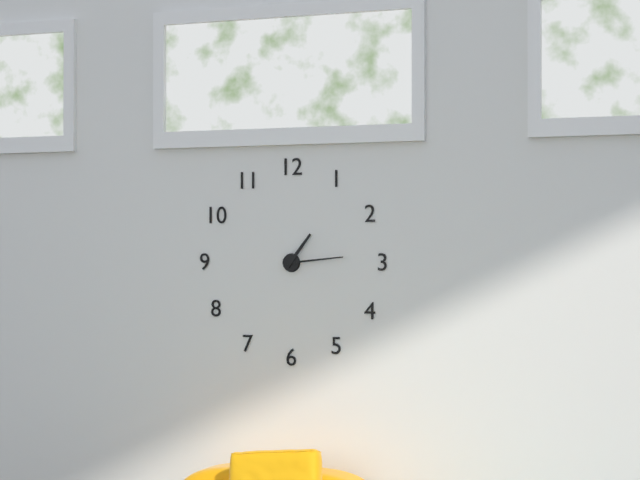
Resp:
h=1 m=14
